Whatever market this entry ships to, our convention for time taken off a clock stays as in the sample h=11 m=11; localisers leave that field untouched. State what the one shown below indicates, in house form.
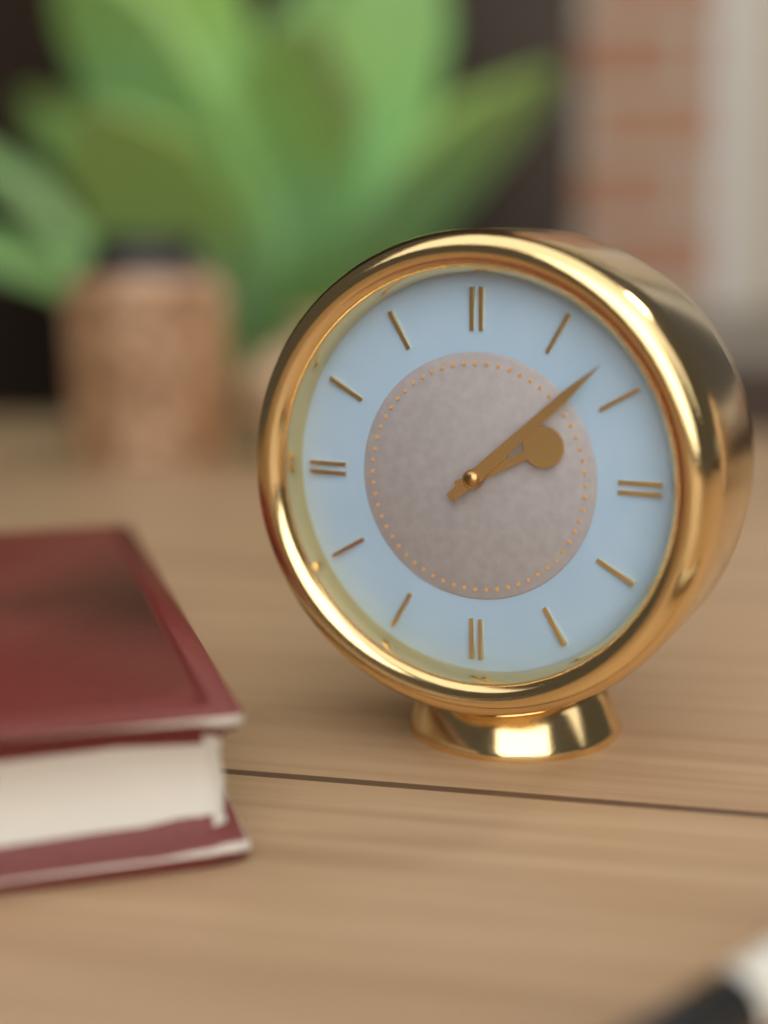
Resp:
h=2 m=8
